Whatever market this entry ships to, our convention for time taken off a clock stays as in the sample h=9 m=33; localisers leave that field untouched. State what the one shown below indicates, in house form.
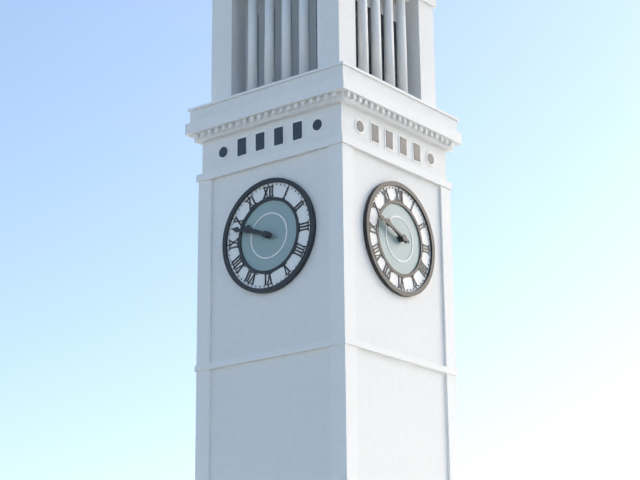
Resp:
h=9 m=48
